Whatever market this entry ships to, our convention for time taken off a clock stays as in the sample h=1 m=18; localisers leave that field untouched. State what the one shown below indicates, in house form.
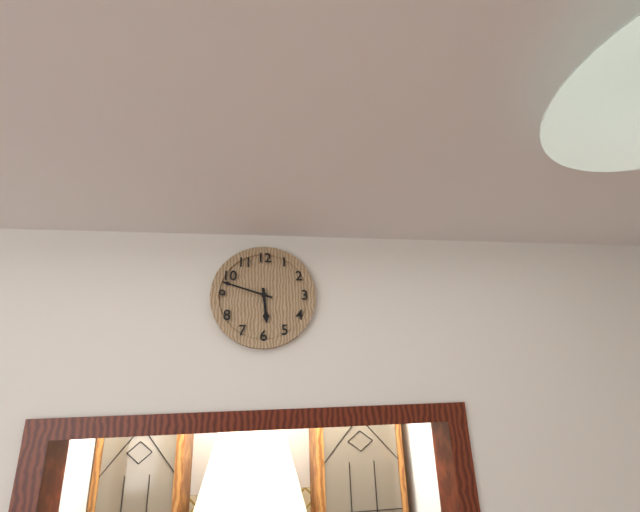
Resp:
h=5 m=48
